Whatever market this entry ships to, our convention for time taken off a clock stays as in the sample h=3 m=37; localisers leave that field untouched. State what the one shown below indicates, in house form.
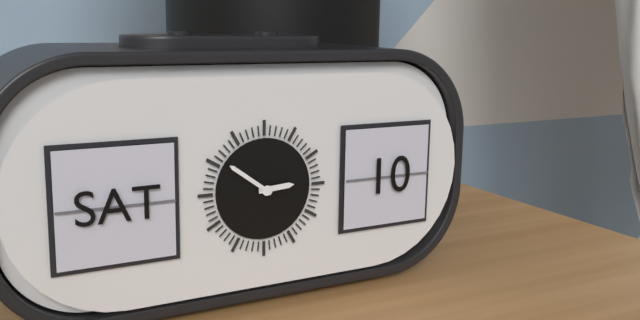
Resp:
h=2 m=51
